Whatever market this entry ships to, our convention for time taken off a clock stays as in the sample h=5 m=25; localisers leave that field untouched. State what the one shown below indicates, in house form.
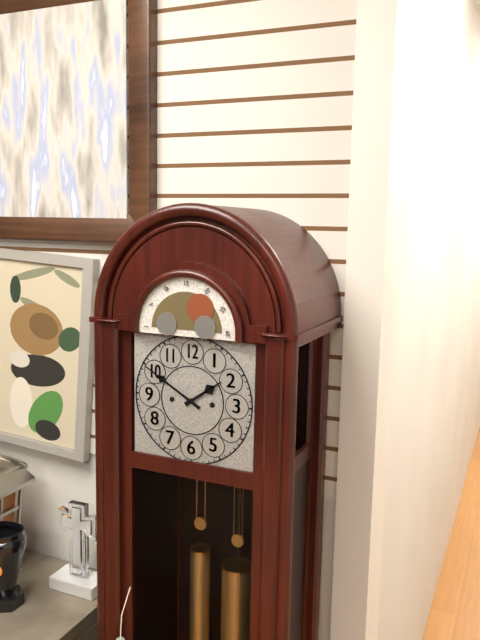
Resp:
h=1 m=50
